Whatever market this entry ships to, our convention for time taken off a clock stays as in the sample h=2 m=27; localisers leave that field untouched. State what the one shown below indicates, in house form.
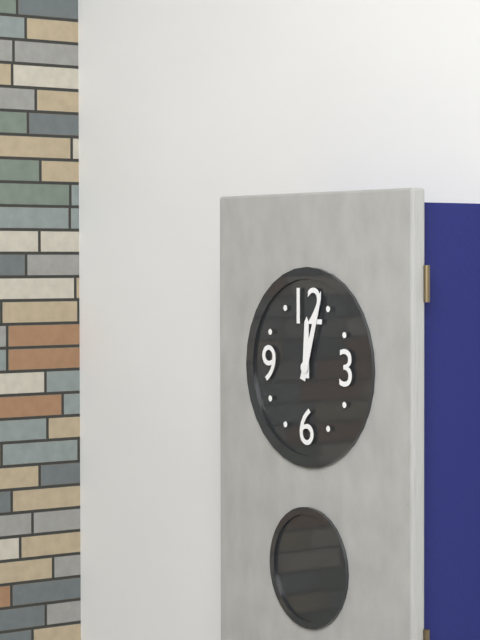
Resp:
h=12 m=3
